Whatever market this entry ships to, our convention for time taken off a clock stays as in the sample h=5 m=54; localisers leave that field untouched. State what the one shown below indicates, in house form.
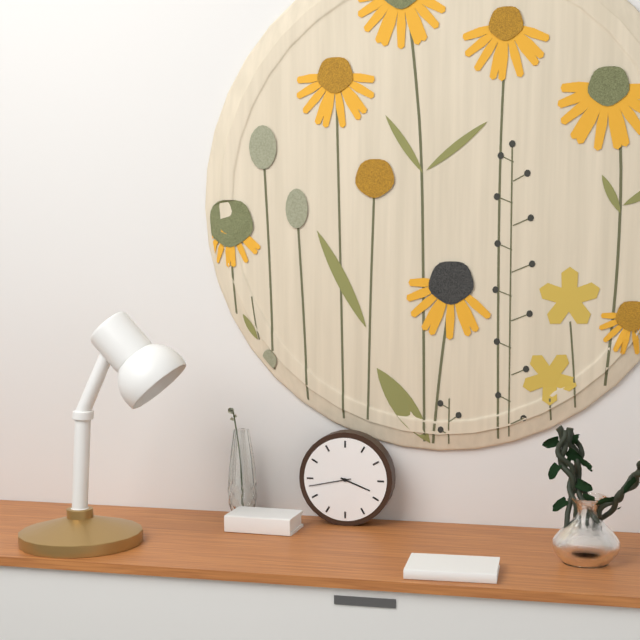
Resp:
h=3 m=43
